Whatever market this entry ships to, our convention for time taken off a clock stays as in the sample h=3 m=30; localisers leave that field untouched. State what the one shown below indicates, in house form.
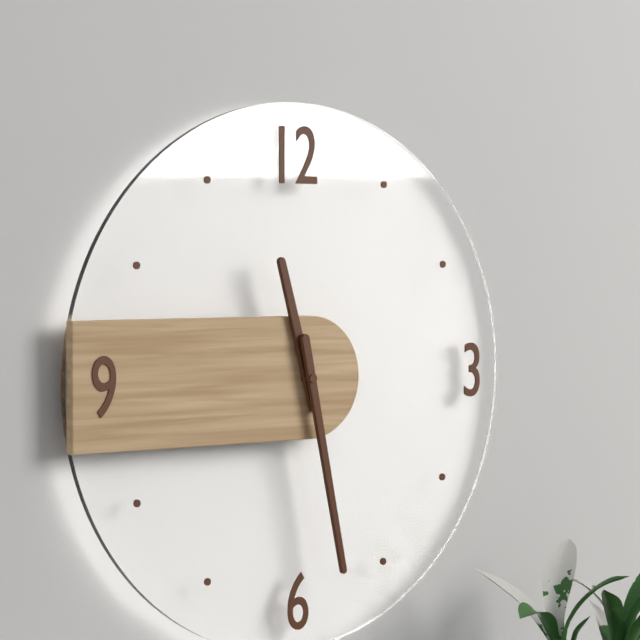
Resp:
h=11 m=28
